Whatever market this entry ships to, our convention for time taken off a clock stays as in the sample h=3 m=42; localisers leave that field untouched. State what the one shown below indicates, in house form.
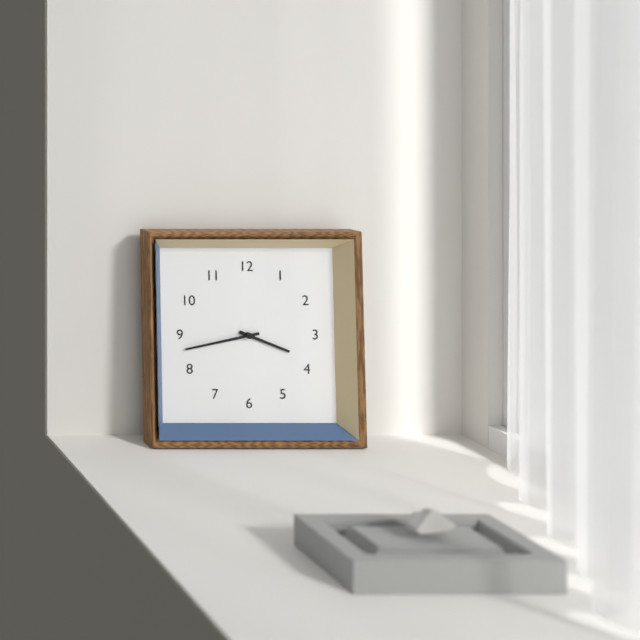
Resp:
h=3 m=43
